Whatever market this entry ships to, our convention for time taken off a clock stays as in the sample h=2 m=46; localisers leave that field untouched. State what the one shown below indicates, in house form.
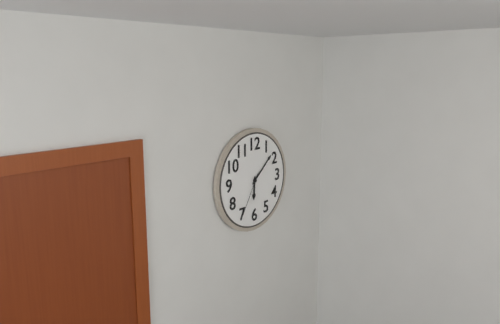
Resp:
h=6 m=8
